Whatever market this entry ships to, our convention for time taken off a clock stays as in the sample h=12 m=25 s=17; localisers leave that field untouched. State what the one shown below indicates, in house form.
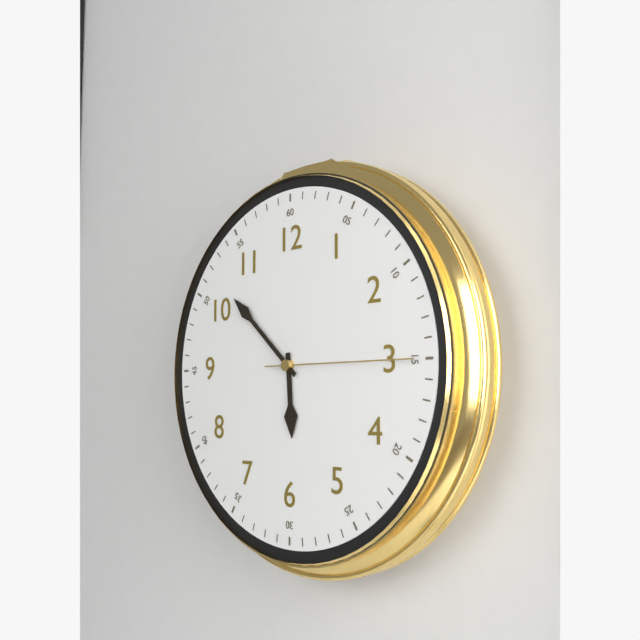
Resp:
h=5 m=52 s=15
